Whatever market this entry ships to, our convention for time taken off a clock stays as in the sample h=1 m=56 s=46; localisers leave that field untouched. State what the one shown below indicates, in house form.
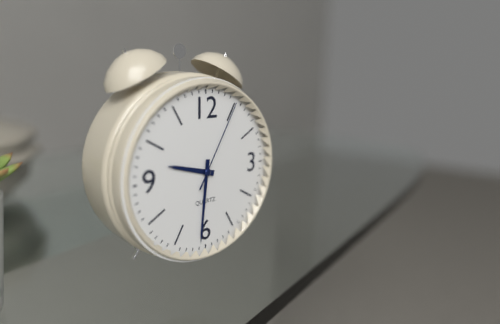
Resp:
h=9 m=31 s=5
